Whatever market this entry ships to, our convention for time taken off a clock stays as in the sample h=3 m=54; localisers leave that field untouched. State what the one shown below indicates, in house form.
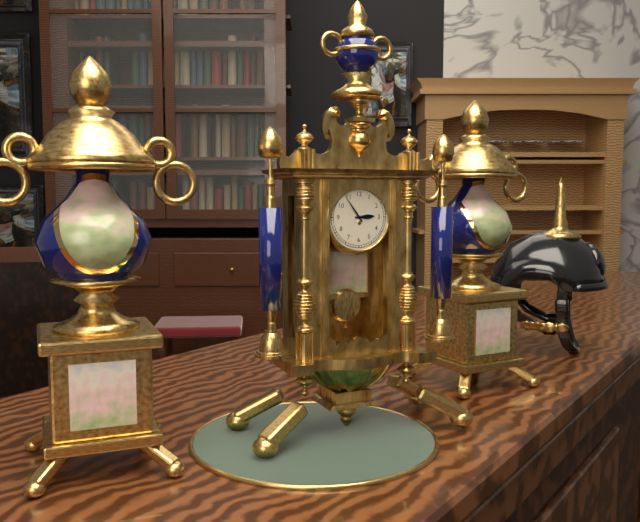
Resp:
h=2 m=54
